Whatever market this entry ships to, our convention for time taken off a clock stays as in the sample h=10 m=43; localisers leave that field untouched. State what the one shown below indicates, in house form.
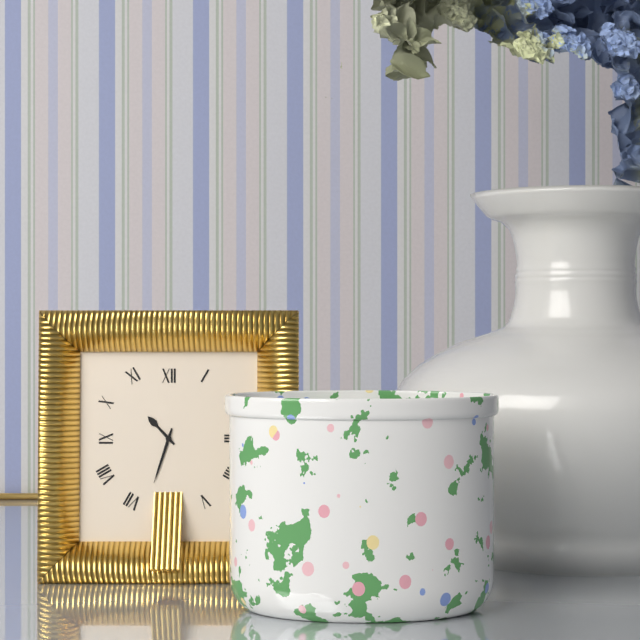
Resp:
h=10 m=33
